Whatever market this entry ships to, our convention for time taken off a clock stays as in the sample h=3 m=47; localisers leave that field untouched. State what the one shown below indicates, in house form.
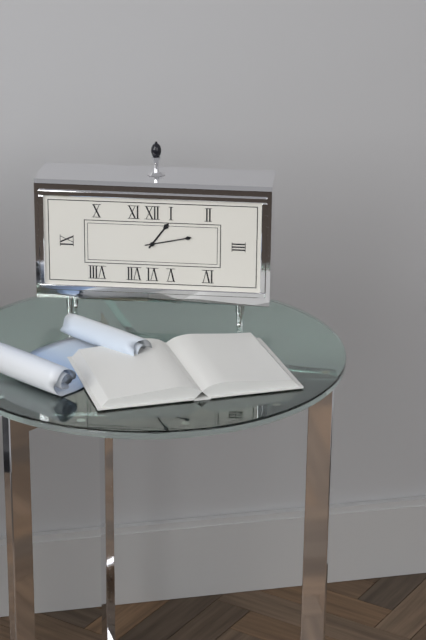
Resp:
h=1 m=13
